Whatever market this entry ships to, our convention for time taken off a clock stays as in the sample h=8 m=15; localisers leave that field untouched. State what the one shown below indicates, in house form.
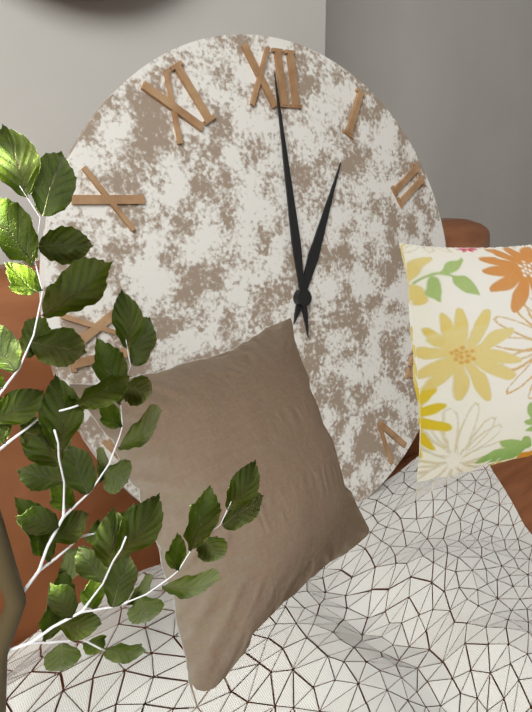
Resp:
h=1 m=0
